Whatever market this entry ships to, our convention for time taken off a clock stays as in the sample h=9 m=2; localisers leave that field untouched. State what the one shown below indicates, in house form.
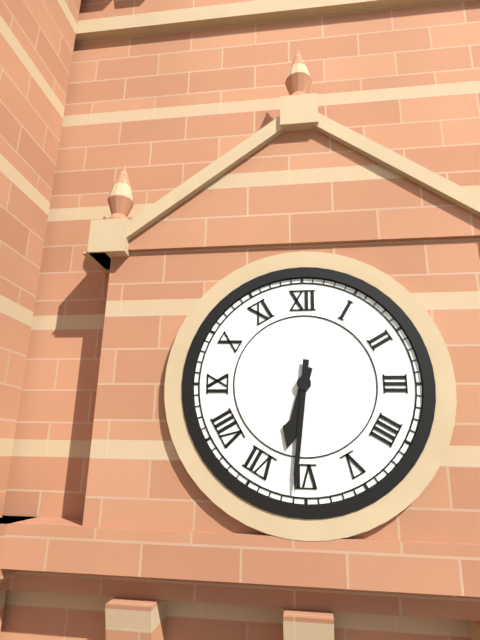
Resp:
h=6 m=31
